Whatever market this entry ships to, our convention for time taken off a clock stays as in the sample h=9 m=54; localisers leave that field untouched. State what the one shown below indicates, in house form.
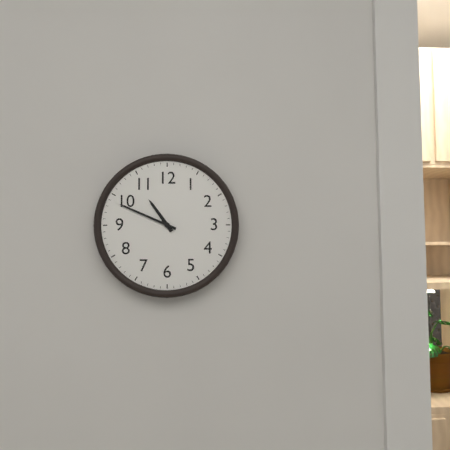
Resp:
h=10 m=49
